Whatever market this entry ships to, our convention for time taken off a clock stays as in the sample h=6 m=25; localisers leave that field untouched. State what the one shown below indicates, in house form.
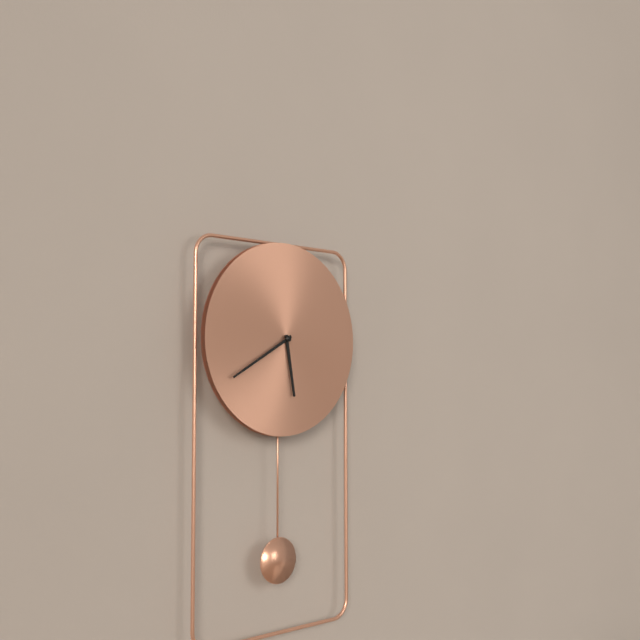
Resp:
h=5 m=40
